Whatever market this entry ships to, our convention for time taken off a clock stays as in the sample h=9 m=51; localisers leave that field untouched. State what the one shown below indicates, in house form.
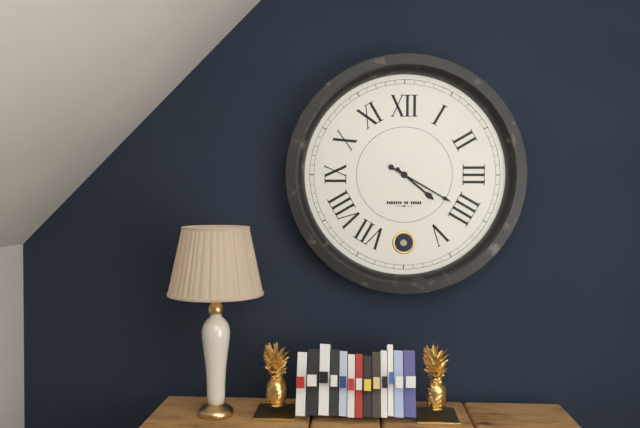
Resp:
h=4 m=20
